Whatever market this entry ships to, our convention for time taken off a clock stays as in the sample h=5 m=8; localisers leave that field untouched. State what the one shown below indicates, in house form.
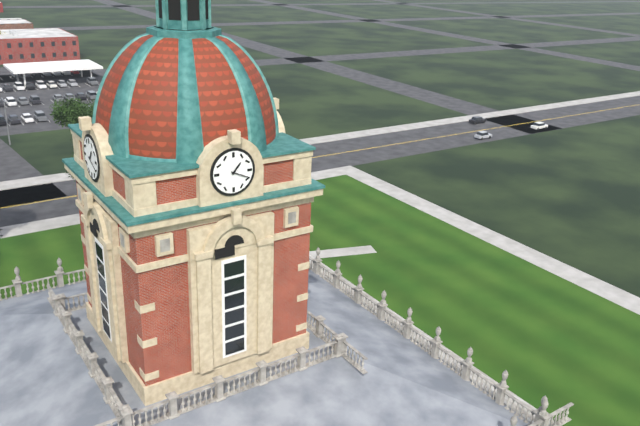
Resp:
h=1 m=19
